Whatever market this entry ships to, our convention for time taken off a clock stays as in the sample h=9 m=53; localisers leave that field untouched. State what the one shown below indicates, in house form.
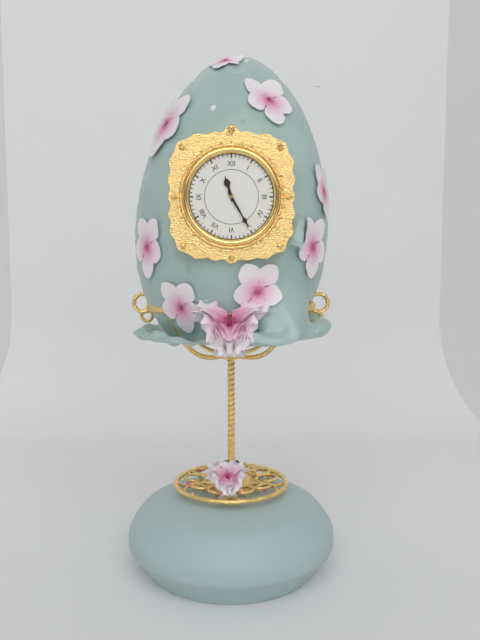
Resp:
h=11 m=25
